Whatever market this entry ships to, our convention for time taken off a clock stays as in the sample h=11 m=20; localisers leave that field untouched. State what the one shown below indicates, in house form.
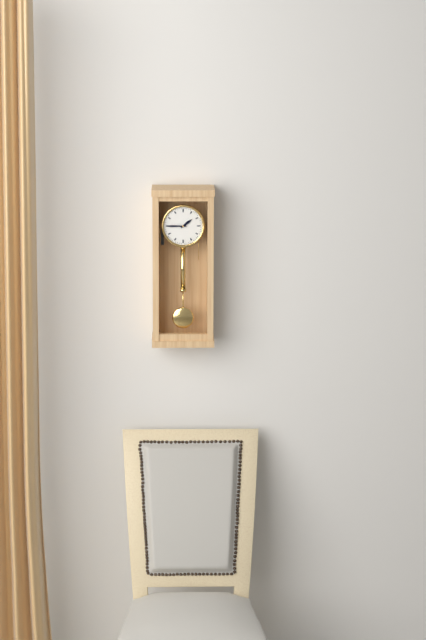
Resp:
h=1 m=45
